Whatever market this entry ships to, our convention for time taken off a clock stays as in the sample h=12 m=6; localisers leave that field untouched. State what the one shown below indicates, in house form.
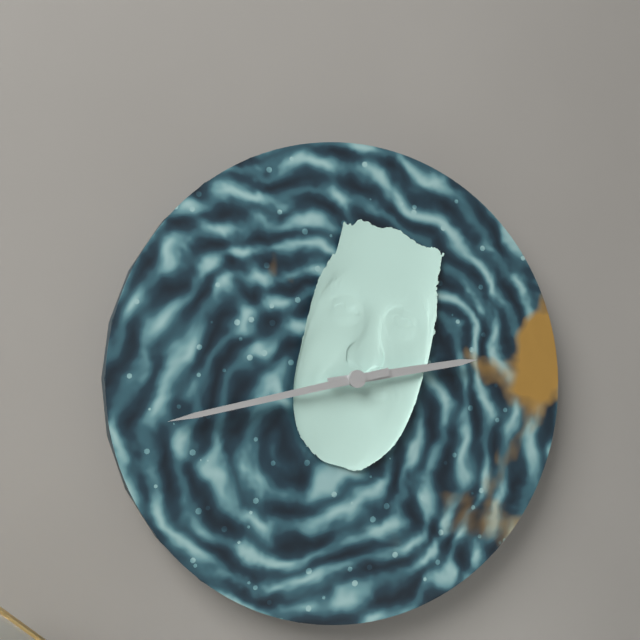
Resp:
h=2 m=43
